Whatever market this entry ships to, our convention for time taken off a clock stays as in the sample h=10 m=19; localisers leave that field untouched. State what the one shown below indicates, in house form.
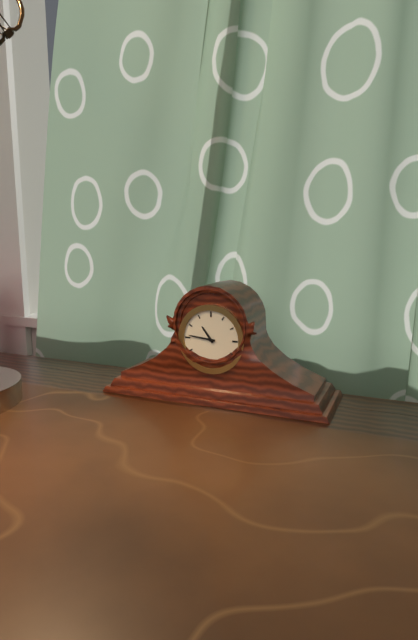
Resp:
h=10 m=46
